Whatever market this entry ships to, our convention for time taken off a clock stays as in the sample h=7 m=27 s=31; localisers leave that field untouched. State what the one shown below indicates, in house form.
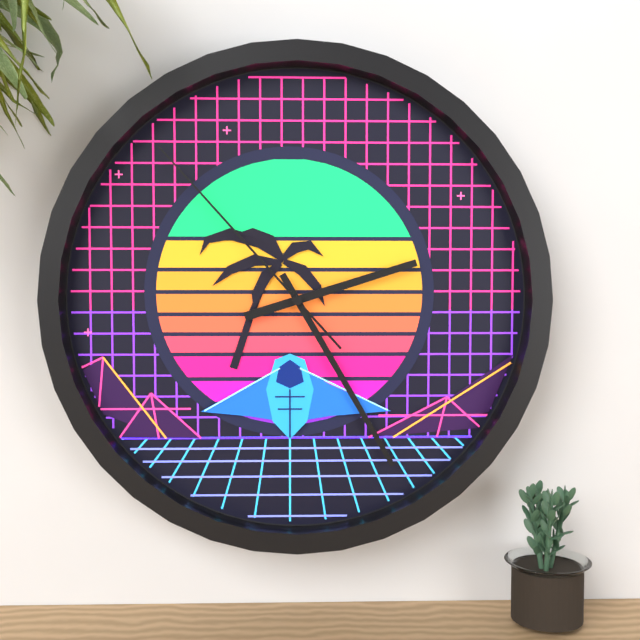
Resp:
h=2 m=25 s=53
